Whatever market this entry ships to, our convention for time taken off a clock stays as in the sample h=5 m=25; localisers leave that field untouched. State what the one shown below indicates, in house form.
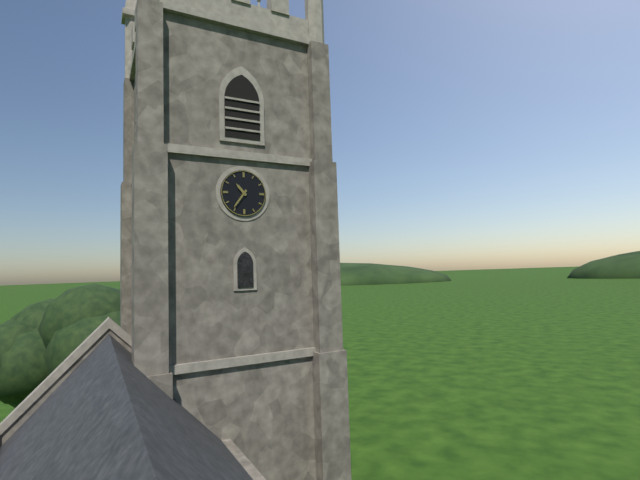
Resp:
h=10 m=36
